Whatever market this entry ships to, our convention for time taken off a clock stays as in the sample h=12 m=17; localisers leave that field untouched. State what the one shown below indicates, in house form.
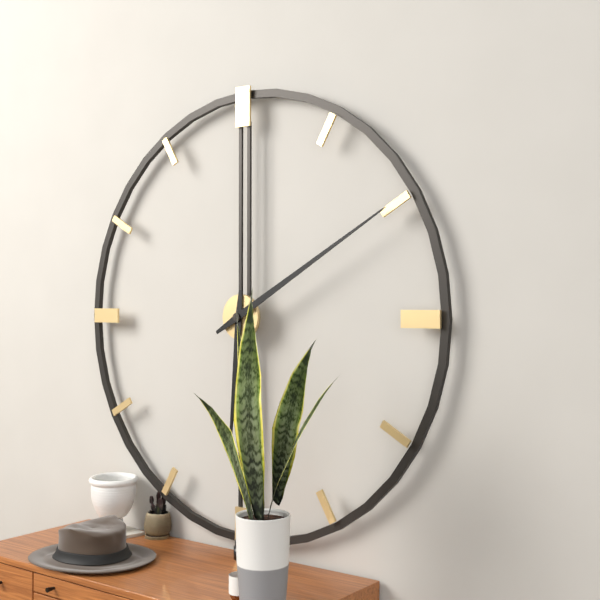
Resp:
h=6 m=10
